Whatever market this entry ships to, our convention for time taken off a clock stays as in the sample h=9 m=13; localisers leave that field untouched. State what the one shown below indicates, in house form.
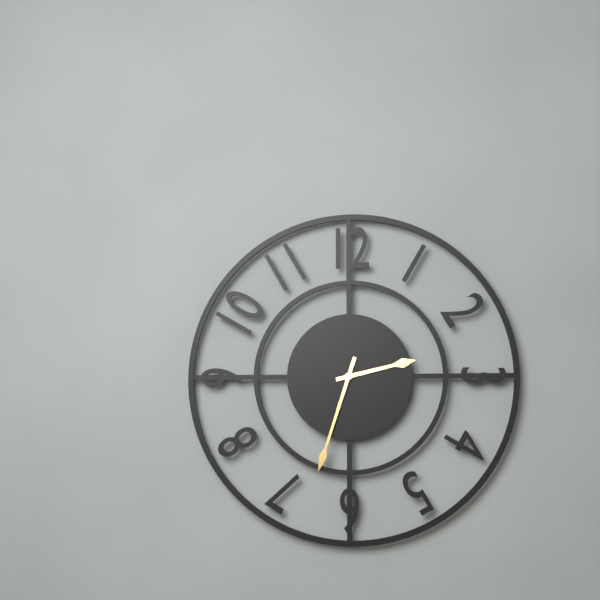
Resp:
h=2 m=33
